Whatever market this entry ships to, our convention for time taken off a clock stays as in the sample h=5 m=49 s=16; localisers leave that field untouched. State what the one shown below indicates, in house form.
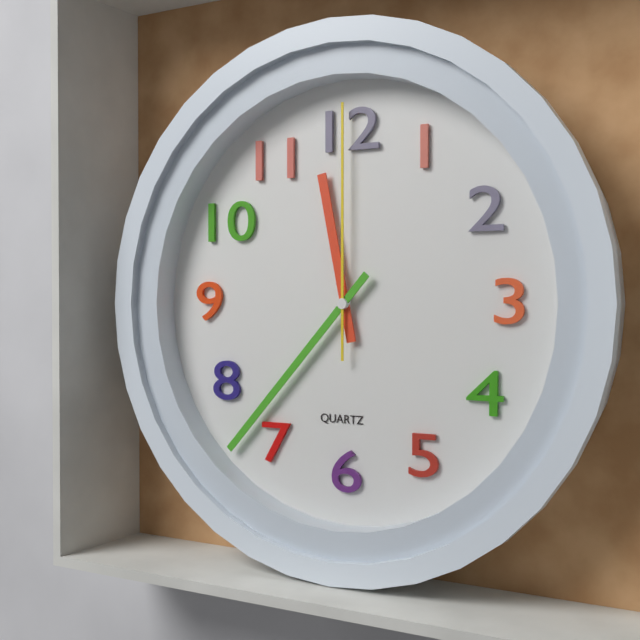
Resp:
h=11 m=37 s=0
